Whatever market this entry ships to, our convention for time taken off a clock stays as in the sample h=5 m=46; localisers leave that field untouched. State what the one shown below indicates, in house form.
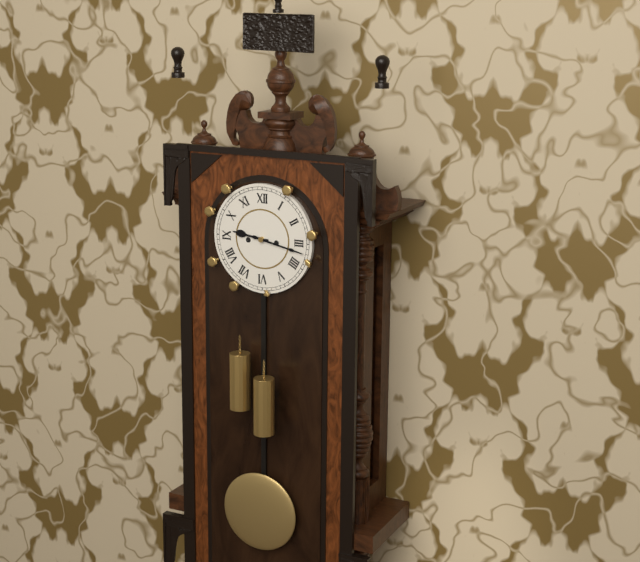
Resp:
h=9 m=17
